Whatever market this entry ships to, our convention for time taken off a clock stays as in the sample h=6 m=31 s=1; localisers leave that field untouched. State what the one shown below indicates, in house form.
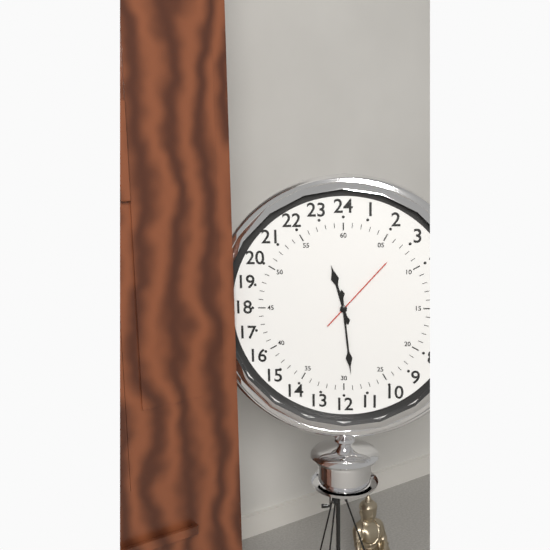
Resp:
h=11 m=29 s=7
